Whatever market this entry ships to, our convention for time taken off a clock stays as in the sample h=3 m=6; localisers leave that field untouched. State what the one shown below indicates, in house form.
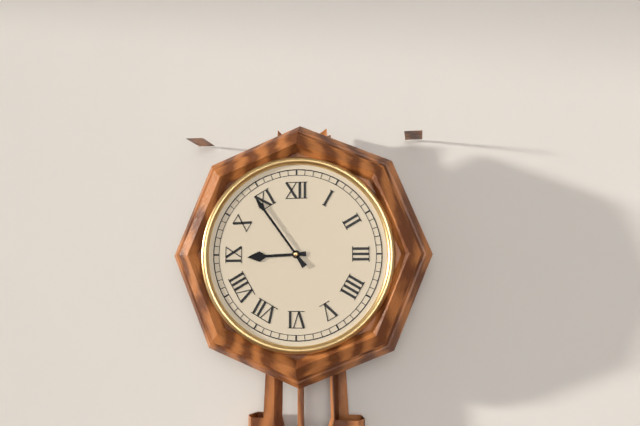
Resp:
h=8 m=54
